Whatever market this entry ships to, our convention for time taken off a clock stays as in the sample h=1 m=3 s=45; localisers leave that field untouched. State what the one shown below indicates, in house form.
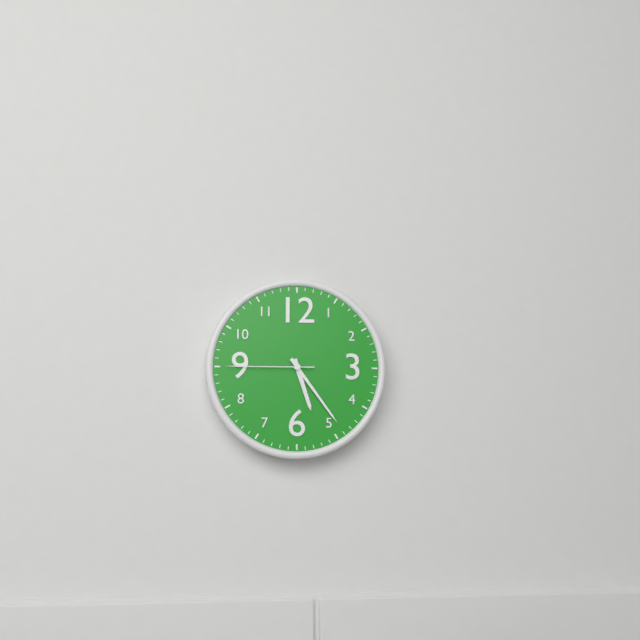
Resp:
h=5 m=24 s=45
